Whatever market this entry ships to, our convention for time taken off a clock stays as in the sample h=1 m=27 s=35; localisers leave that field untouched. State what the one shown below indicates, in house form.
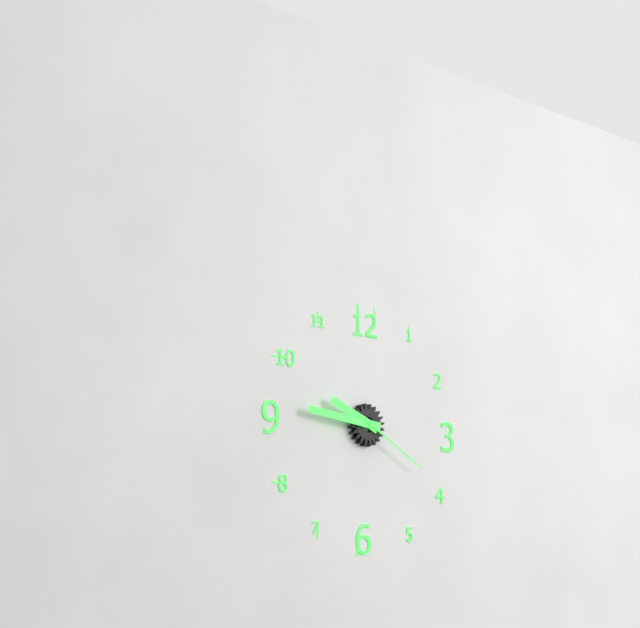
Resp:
h=9 m=46 s=20
